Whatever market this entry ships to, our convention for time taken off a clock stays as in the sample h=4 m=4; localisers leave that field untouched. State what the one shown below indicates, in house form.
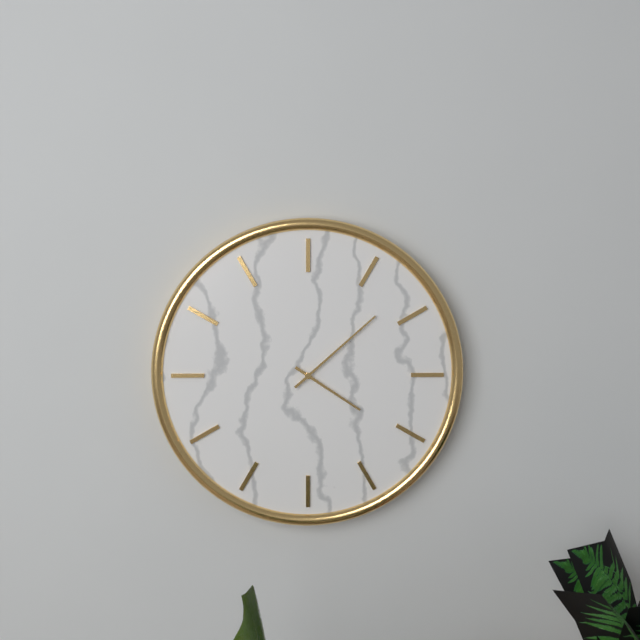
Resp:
h=4 m=8
